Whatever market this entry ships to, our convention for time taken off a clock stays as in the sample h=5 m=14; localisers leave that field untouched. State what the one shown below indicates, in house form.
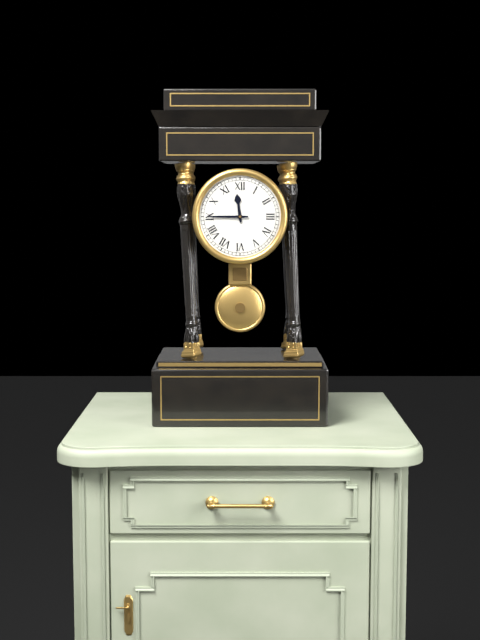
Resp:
h=11 m=45
